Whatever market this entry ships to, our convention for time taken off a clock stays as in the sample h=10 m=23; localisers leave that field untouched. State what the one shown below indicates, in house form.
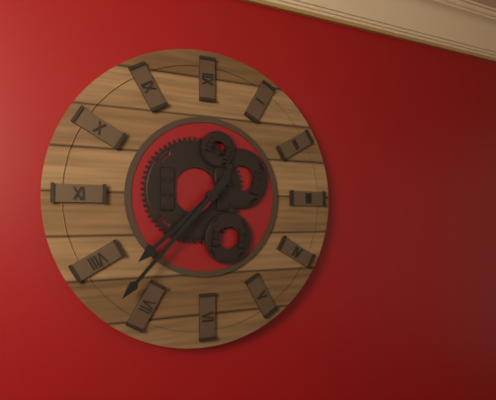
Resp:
h=7 m=37
